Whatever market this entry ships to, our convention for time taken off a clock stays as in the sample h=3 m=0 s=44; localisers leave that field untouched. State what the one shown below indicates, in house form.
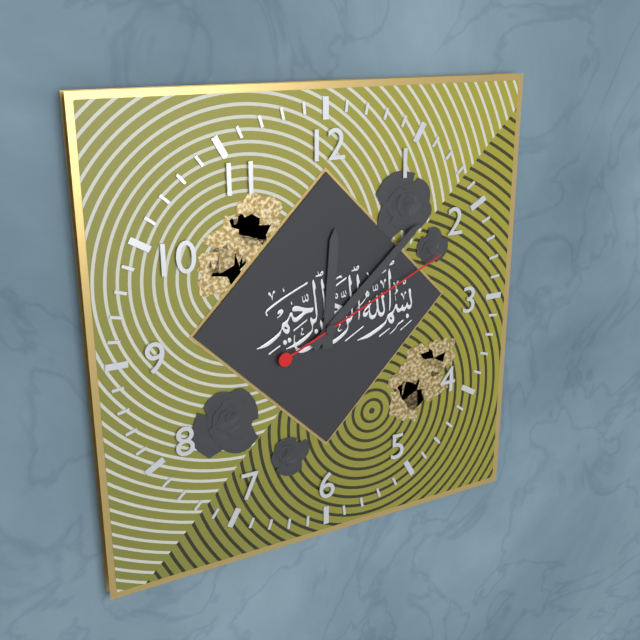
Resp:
h=12 m=8 s=11
